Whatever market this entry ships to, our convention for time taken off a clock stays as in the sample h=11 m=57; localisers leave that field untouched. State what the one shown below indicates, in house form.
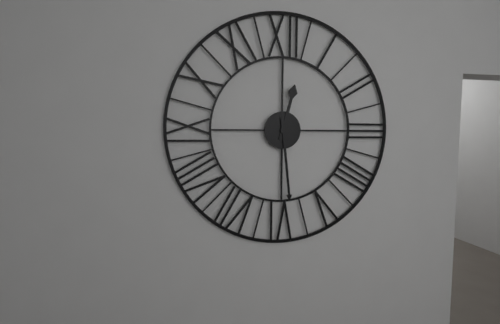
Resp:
h=12 m=29
